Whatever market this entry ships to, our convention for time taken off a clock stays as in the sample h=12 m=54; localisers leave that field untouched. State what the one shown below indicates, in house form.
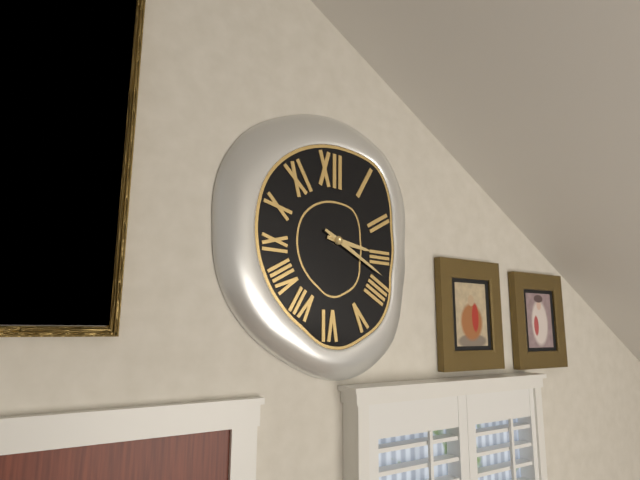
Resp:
h=3 m=20
